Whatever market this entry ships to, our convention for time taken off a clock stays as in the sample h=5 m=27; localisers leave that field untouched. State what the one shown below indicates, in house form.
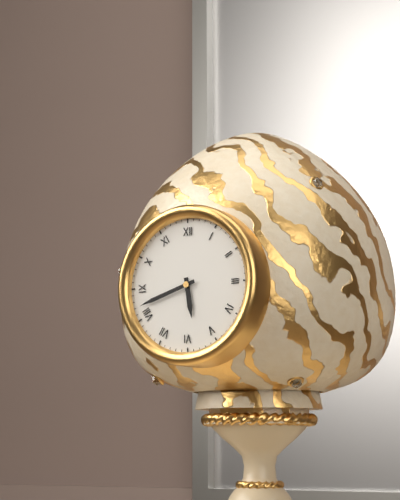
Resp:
h=5 m=42
